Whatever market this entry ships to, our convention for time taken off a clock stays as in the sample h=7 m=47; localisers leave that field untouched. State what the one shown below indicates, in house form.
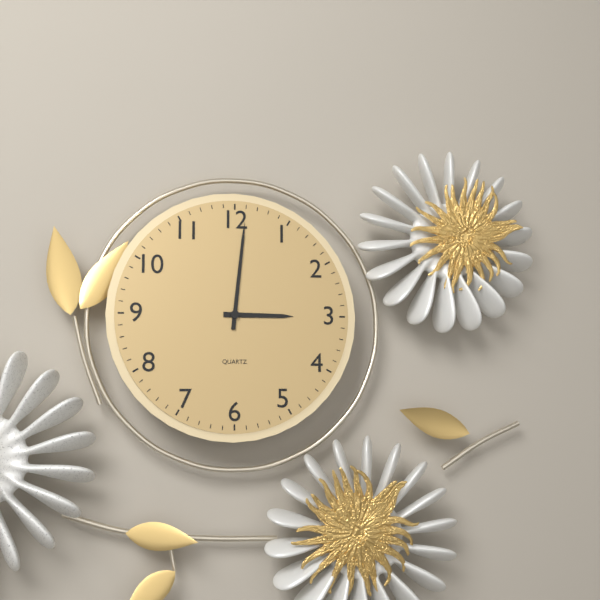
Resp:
h=3 m=1
